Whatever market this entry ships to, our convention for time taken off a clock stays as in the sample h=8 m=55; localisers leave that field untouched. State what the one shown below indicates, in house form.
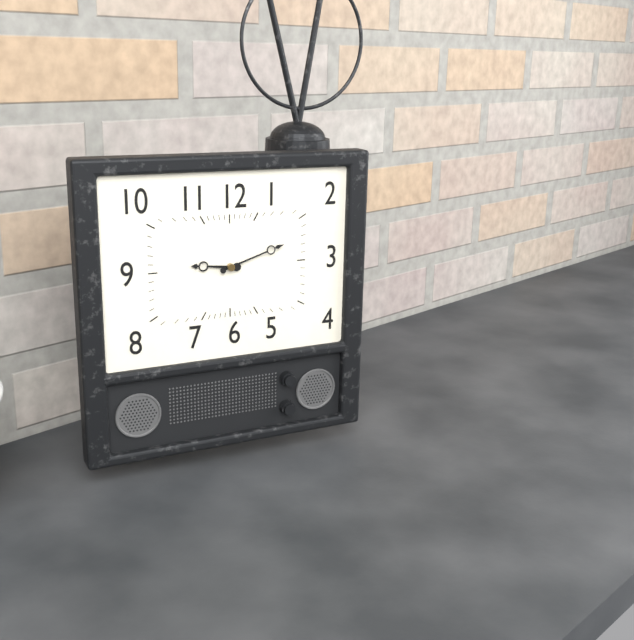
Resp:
h=9 m=12
